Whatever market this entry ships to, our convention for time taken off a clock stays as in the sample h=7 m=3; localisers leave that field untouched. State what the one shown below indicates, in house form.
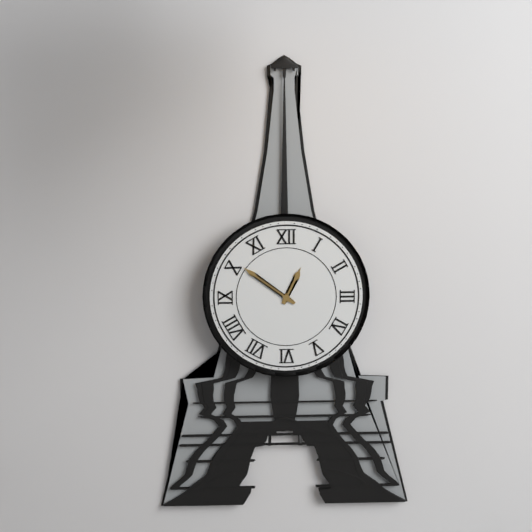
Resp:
h=12 m=51
